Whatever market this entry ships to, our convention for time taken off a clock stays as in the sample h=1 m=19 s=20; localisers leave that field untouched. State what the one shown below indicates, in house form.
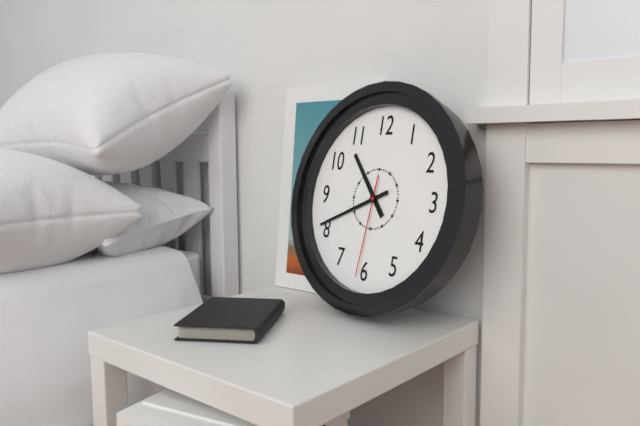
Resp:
h=10 m=41 s=31
